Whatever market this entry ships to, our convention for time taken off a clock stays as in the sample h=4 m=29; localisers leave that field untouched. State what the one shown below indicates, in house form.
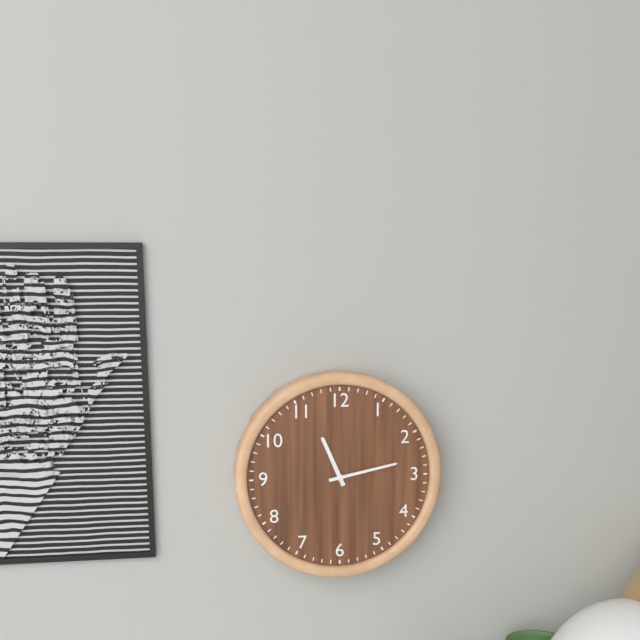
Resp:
h=11 m=13
